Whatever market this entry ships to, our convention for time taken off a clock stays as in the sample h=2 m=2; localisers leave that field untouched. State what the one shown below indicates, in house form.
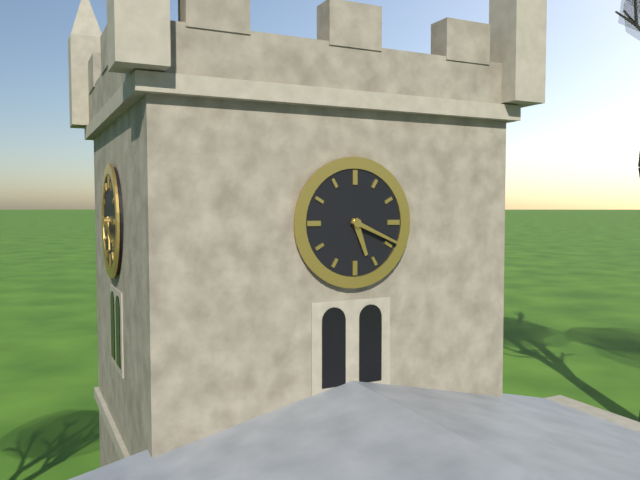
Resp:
h=5 m=19
